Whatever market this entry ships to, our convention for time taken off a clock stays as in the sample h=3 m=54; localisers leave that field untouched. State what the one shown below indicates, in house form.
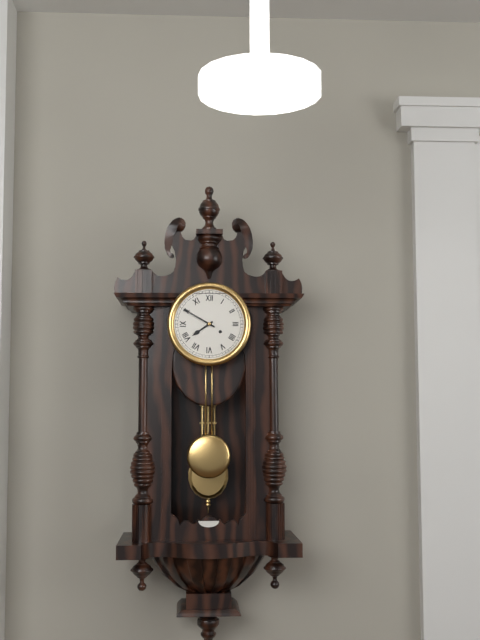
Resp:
h=7 m=50
